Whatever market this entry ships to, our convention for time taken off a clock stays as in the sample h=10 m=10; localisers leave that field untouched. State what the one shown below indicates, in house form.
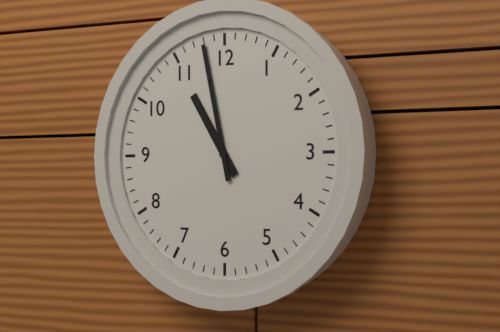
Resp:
h=10 m=58
